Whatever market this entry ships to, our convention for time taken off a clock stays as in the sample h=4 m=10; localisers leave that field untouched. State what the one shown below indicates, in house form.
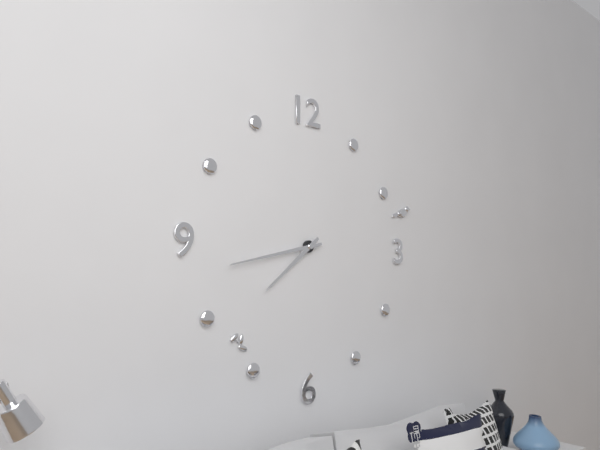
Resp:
h=7 m=43
